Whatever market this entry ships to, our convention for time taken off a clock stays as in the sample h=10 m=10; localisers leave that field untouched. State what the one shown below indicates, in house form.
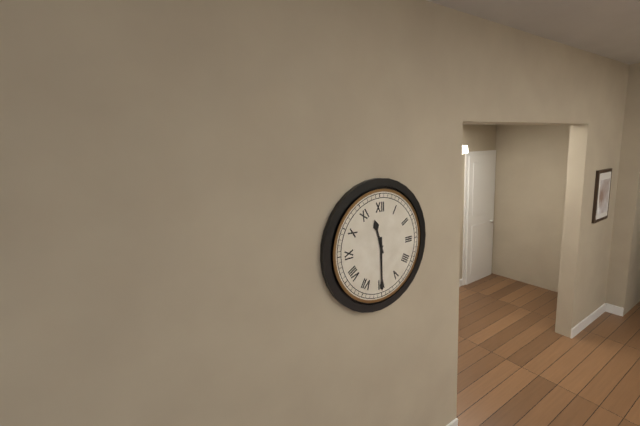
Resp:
h=11 m=30
